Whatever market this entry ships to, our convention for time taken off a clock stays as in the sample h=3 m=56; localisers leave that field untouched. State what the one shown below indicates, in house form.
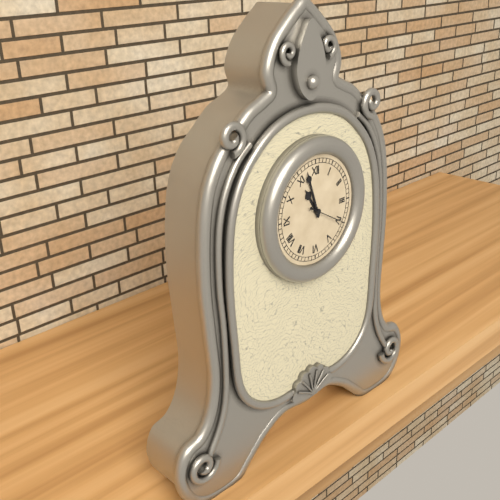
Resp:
h=10 m=57
